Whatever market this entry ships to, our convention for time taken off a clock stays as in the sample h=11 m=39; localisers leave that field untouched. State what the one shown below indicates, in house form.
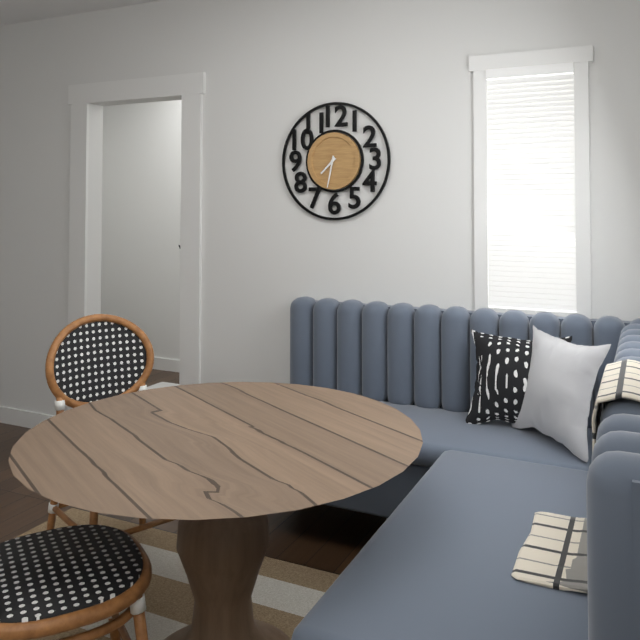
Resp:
h=7 m=32
